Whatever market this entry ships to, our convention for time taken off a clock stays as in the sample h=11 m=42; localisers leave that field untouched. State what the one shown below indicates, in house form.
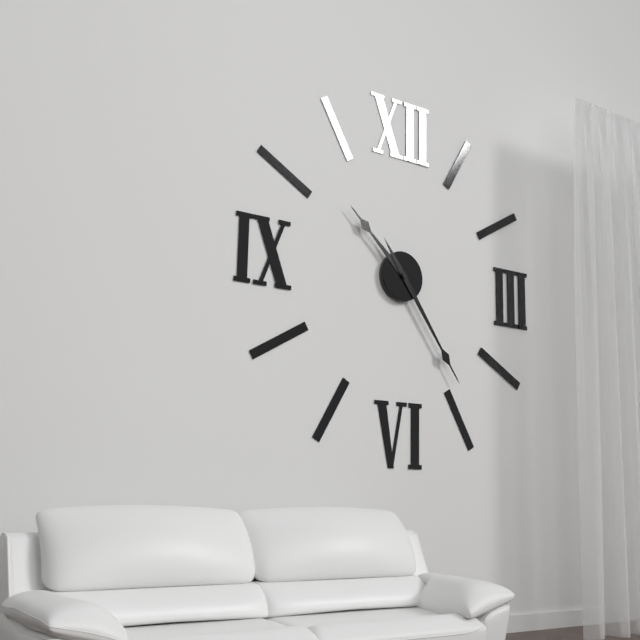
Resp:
h=10 m=24
